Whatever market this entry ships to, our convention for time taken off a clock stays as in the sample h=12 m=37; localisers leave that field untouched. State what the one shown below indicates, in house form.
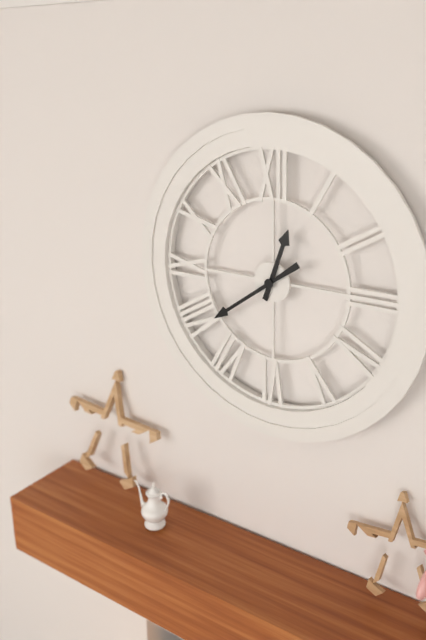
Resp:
h=12 m=39
